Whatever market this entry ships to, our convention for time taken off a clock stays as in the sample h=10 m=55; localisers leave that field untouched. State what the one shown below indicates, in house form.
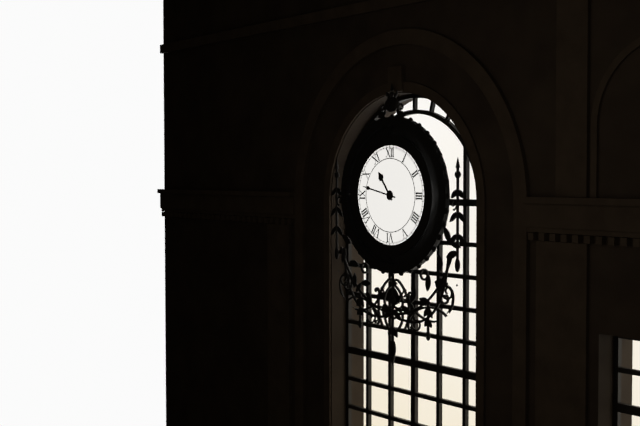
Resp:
h=10 m=47
